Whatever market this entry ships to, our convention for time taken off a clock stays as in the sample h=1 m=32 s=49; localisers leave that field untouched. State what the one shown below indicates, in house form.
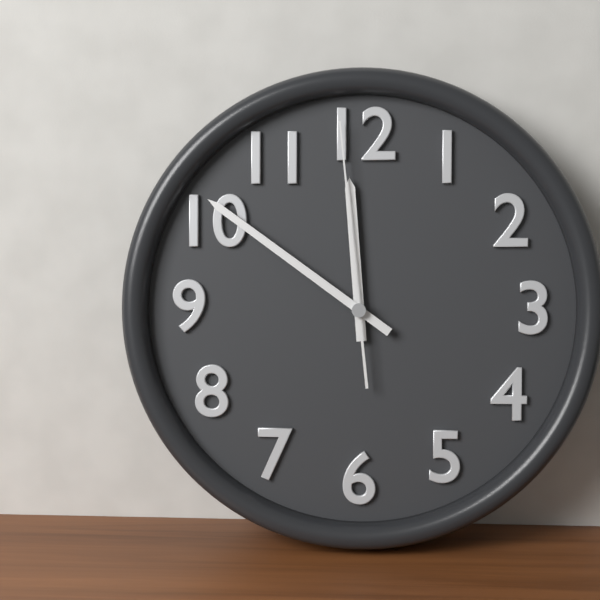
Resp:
h=11 m=51 s=59
